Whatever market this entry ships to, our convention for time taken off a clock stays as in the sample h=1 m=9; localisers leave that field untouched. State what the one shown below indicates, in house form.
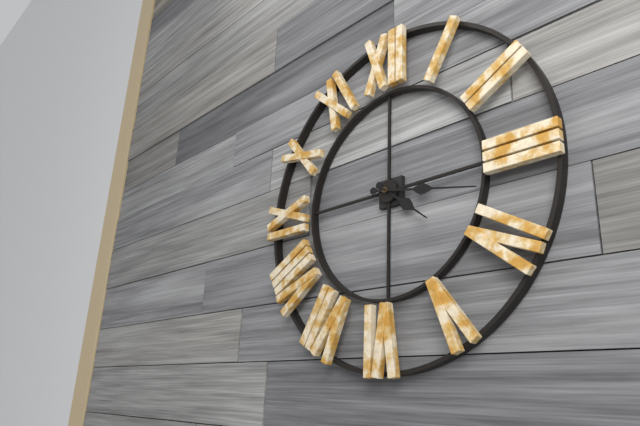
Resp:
h=4 m=17
